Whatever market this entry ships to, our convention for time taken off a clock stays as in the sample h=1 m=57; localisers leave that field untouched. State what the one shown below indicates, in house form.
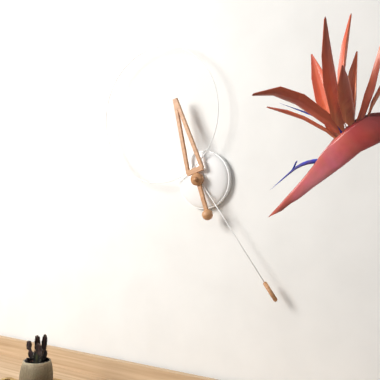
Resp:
h=11 m=24
